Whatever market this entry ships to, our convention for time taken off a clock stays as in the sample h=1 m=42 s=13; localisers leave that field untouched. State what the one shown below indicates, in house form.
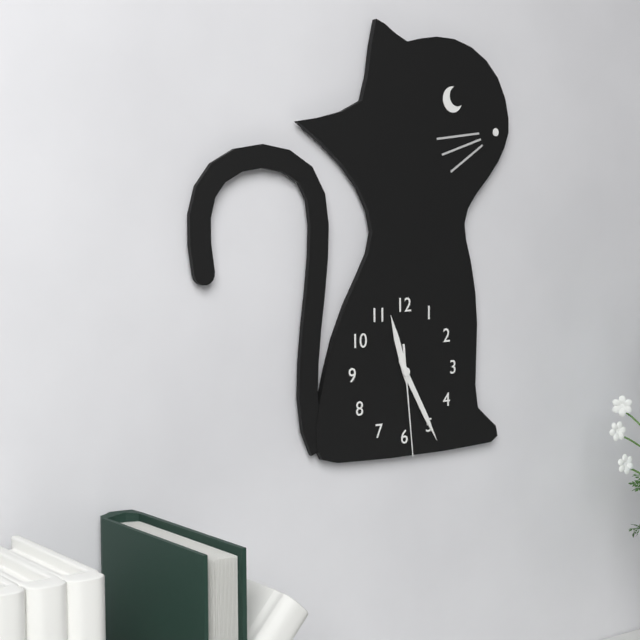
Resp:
h=11 m=25 s=29
